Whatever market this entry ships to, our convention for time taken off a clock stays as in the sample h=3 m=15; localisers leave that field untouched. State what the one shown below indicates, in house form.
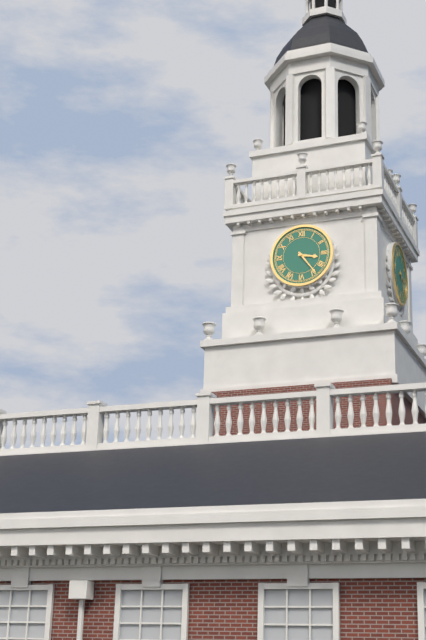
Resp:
h=3 m=24
